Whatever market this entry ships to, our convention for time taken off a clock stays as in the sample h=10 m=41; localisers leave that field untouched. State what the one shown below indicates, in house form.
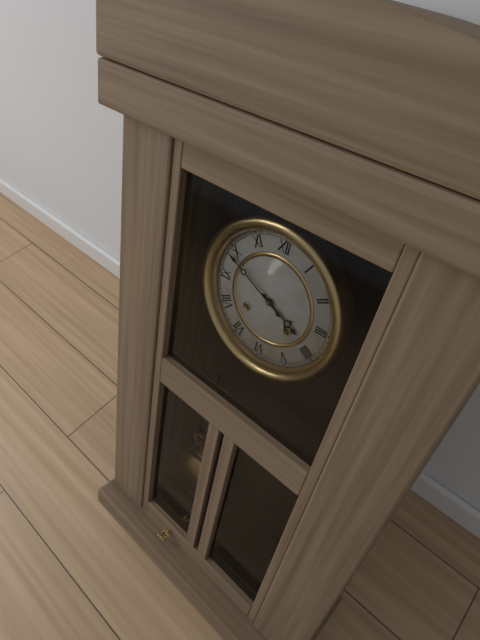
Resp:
h=3 m=49
